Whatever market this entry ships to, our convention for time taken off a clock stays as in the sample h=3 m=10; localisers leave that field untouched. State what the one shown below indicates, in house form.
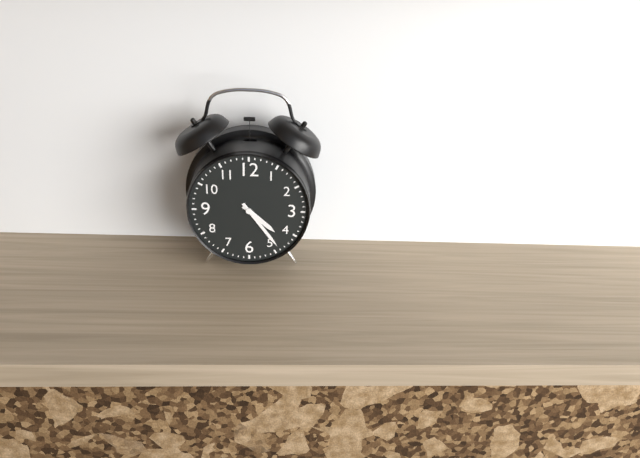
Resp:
h=4 m=24
